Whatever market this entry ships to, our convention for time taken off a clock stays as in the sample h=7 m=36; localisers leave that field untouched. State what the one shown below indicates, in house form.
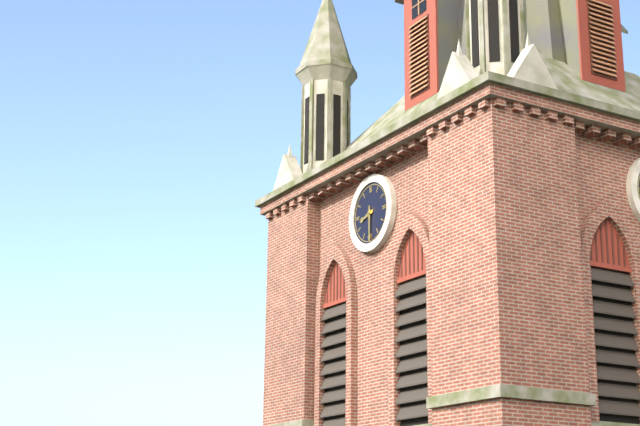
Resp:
h=8 m=30
